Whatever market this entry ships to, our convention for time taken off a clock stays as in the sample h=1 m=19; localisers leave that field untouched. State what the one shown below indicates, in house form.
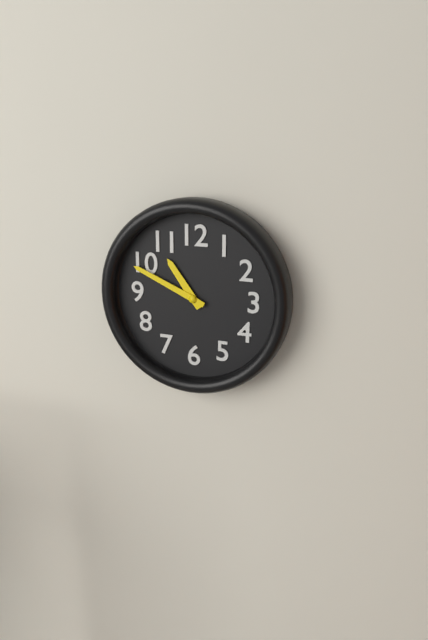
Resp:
h=10 m=49
